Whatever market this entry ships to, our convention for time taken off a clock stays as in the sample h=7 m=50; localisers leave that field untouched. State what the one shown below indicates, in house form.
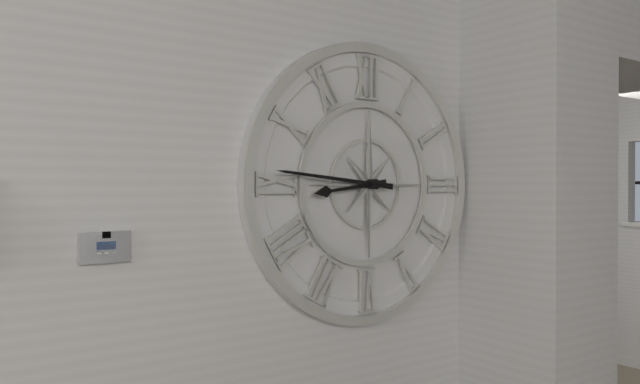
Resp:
h=8 m=46
